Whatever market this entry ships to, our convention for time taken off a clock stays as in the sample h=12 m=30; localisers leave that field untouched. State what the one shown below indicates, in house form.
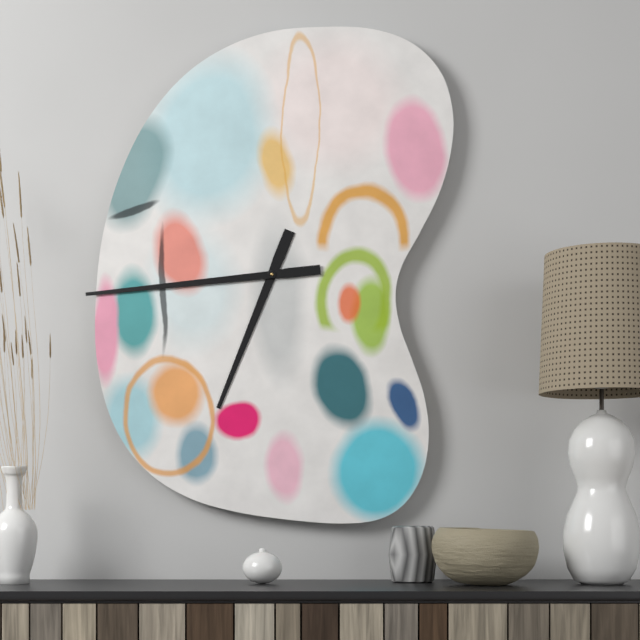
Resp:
h=6 m=44
